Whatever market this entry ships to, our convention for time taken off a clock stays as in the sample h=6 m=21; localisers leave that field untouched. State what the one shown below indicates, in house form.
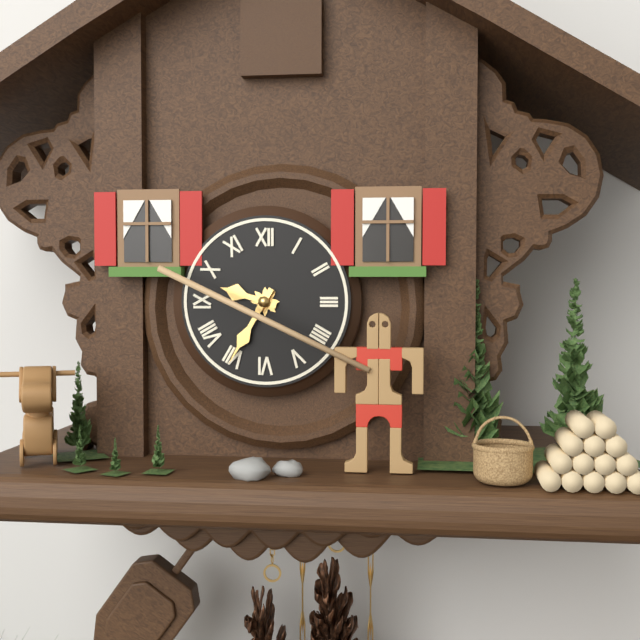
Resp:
h=9 m=35
